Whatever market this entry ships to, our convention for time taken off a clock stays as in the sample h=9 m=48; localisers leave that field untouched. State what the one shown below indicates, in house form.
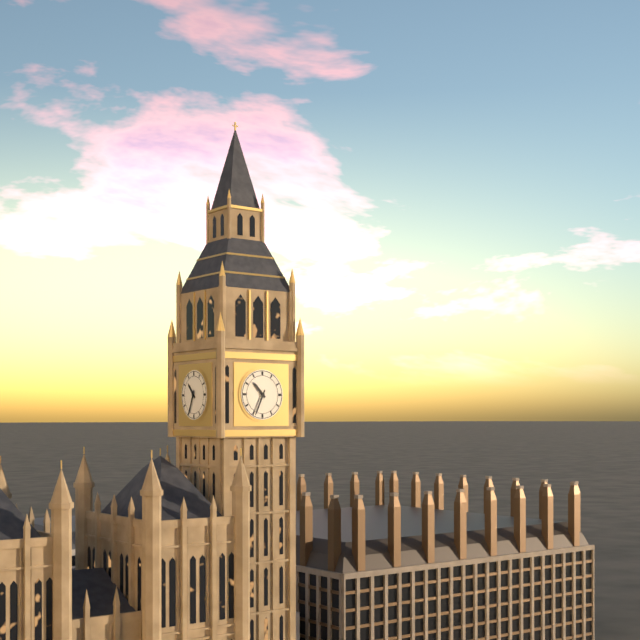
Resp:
h=10 m=34
